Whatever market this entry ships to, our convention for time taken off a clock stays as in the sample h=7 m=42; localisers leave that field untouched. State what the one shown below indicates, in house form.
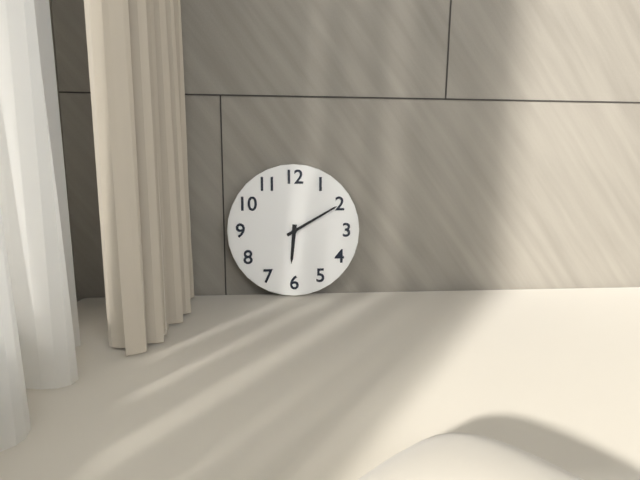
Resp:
h=6 m=10
